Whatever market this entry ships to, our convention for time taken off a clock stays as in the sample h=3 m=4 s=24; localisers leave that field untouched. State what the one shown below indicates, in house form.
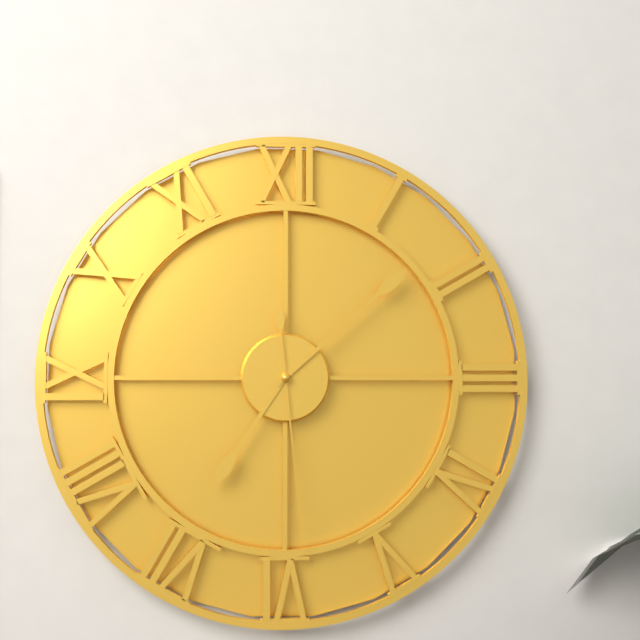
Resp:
h=7 m=8 s=29
